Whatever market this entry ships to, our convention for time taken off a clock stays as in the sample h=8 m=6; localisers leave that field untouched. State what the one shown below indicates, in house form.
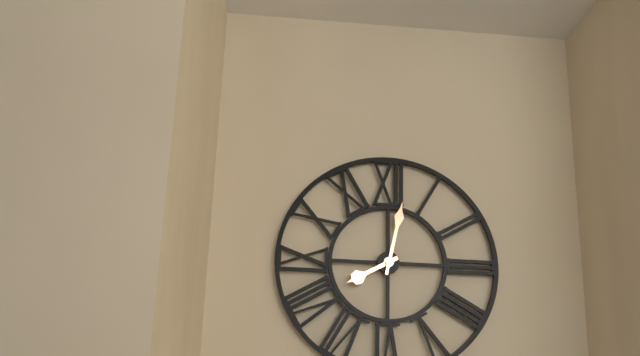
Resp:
h=8 m=2
